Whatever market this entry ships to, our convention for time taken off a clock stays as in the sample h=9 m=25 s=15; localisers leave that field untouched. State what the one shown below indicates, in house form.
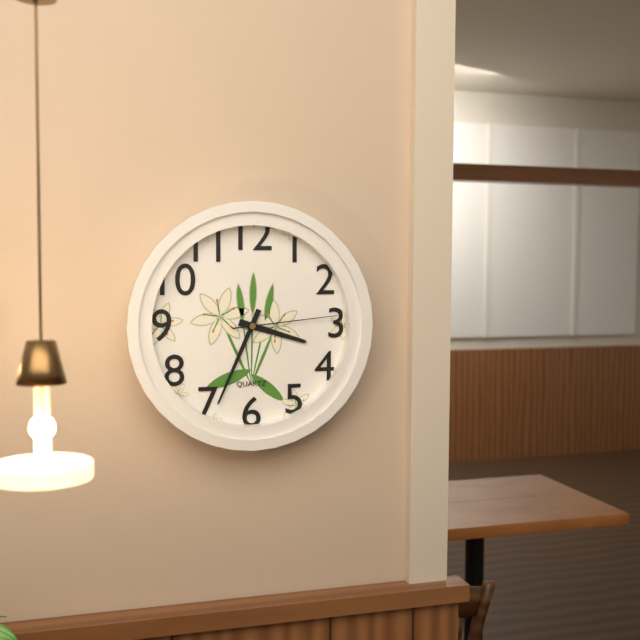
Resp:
h=3 m=34 s=14
